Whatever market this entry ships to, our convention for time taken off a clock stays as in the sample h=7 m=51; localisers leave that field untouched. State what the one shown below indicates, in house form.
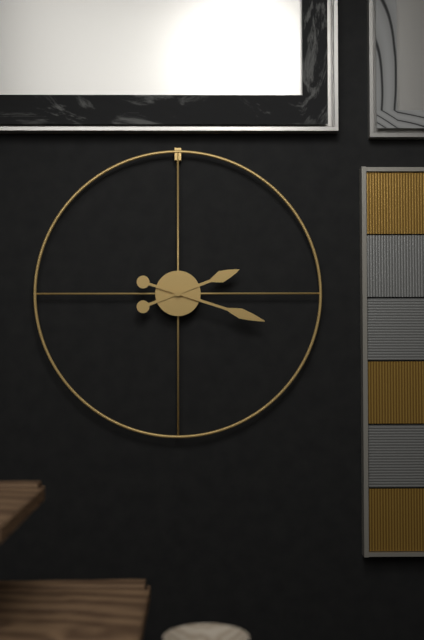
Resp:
h=2 m=18
